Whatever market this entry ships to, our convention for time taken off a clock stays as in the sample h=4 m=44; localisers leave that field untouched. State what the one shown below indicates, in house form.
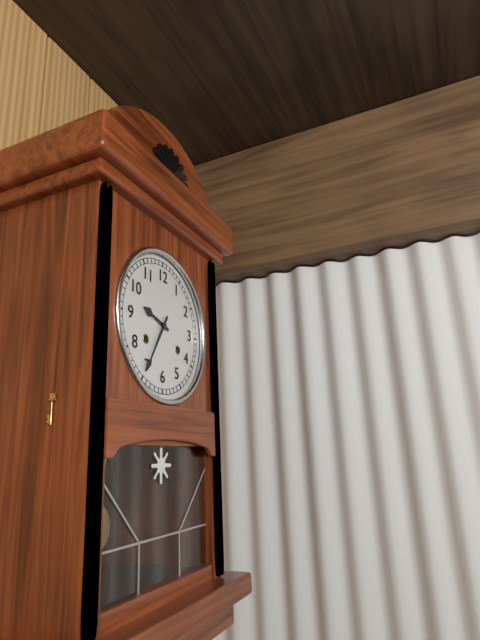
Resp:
h=9 m=35
